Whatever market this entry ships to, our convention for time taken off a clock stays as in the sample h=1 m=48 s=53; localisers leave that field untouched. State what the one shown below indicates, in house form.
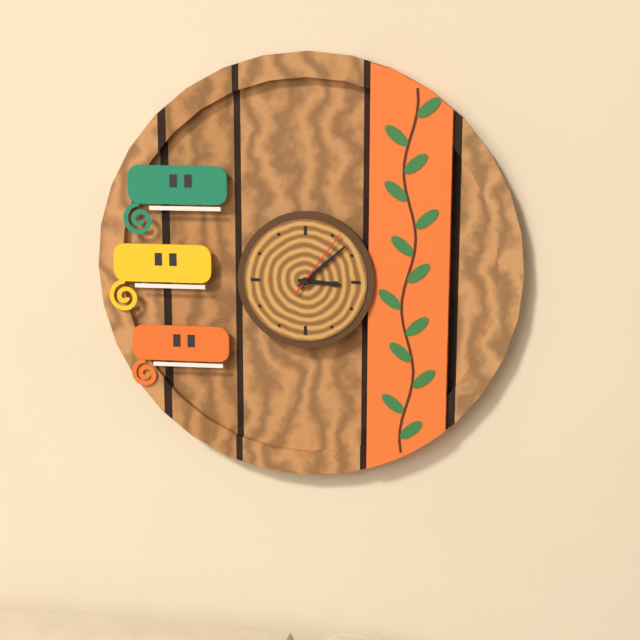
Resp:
h=3 m=8 s=6
